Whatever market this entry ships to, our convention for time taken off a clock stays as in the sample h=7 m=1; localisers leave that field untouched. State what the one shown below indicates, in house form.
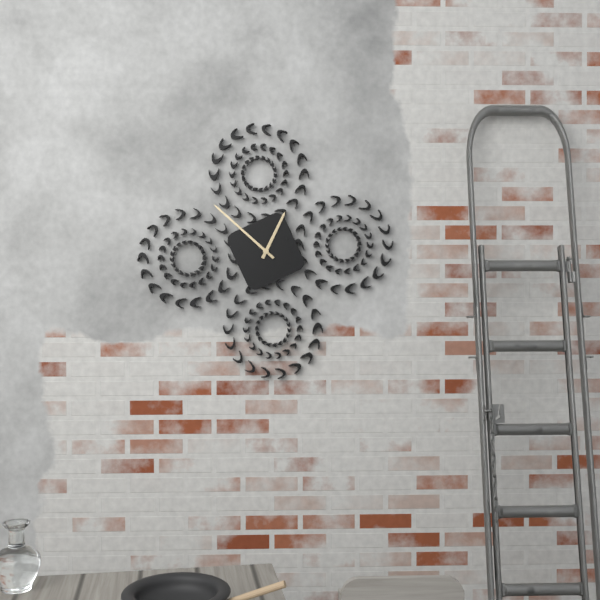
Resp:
h=12 m=52
